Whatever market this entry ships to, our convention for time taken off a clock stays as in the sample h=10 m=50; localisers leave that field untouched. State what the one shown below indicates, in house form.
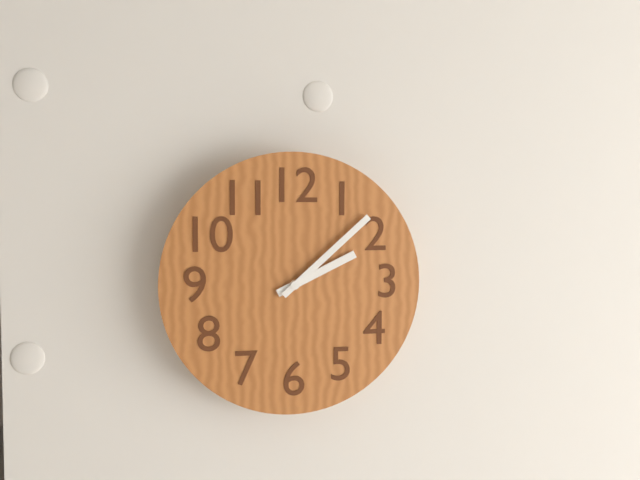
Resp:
h=2 m=8
